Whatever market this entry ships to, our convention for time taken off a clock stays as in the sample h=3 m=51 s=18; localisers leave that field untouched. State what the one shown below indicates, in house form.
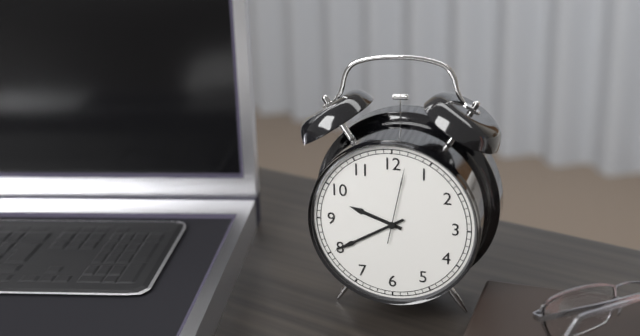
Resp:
h=9 m=40 s=2
